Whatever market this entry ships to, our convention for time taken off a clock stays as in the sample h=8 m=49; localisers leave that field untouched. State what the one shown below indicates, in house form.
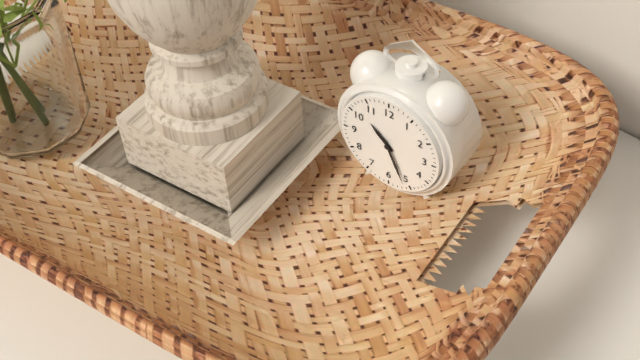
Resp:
h=10 m=26
